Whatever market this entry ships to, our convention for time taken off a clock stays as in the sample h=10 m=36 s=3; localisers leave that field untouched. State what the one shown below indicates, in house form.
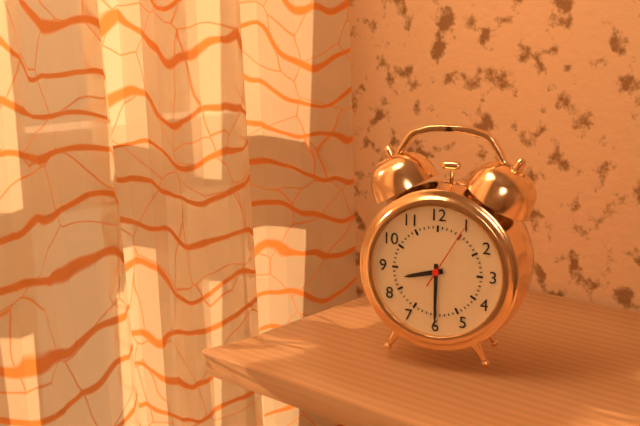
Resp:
h=8 m=30 s=5
